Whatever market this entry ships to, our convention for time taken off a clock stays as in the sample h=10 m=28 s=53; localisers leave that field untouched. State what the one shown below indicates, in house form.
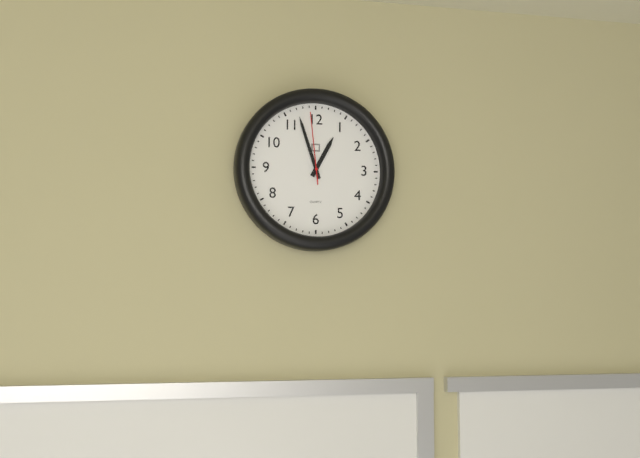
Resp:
h=12 m=57 s=59
